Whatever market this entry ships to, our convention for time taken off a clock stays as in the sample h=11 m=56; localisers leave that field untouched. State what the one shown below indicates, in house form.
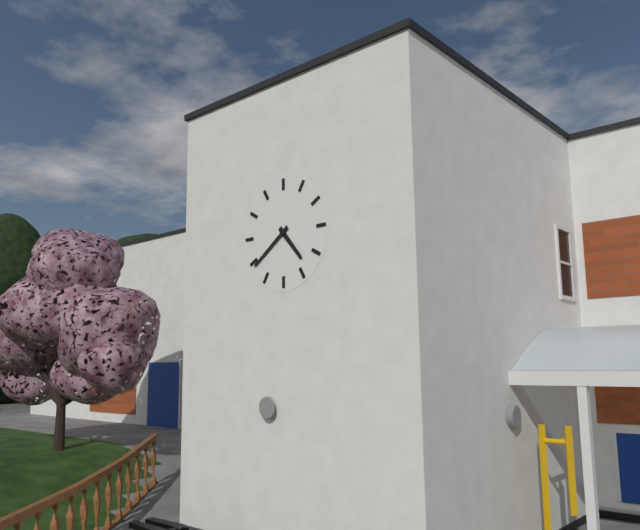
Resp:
h=4 m=39
